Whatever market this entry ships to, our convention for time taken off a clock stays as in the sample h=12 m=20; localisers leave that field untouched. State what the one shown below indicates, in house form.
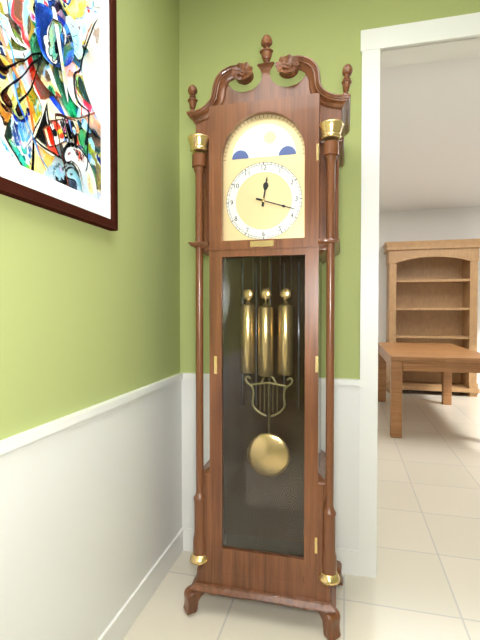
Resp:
h=12 m=18
